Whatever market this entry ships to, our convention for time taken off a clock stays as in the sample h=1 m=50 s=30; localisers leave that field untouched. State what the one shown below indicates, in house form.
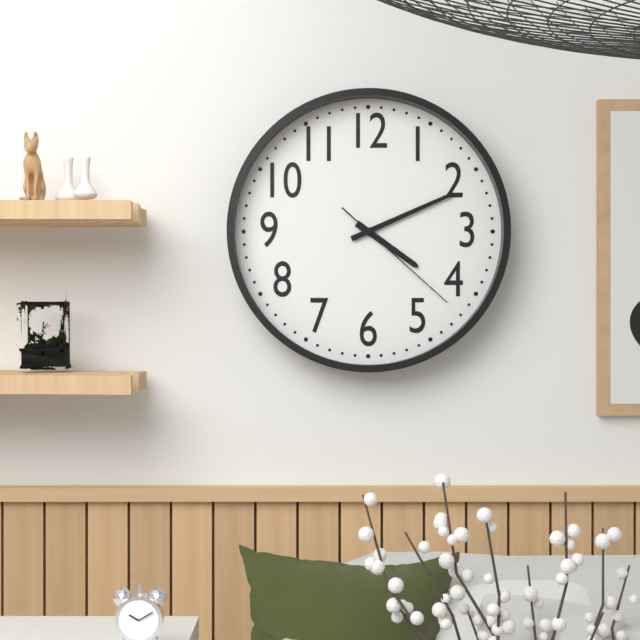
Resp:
h=4 m=11 s=22
